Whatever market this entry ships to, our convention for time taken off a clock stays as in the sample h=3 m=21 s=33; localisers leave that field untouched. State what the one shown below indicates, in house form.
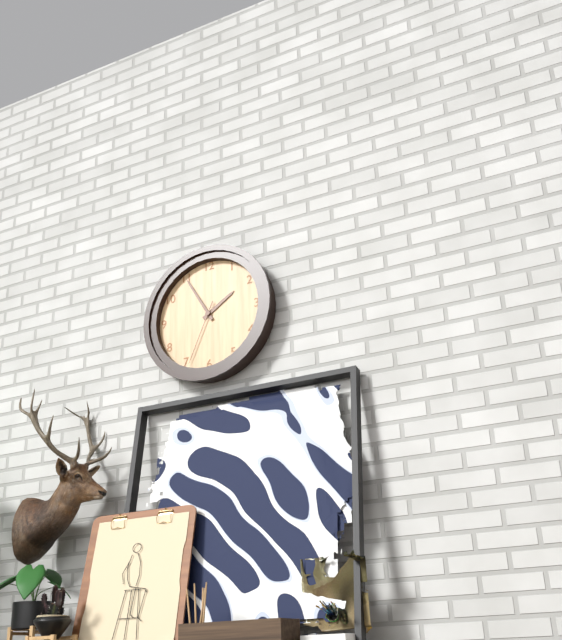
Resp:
h=1 m=55 s=34
